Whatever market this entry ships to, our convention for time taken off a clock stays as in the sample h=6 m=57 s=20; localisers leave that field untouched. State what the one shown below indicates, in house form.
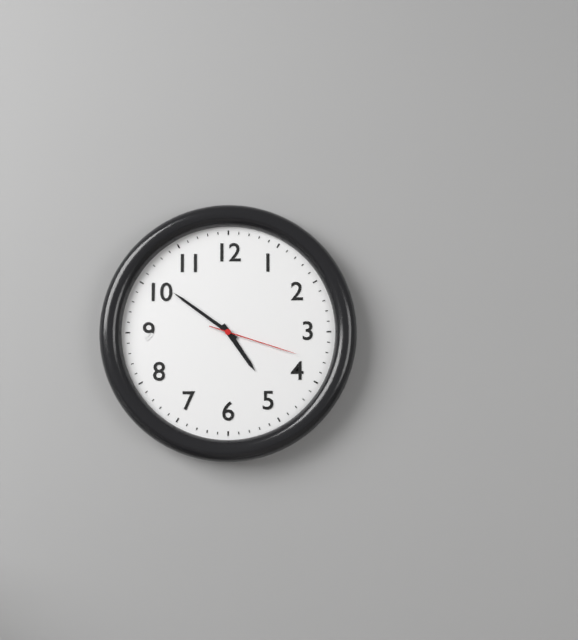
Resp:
h=4 m=51 s=18
